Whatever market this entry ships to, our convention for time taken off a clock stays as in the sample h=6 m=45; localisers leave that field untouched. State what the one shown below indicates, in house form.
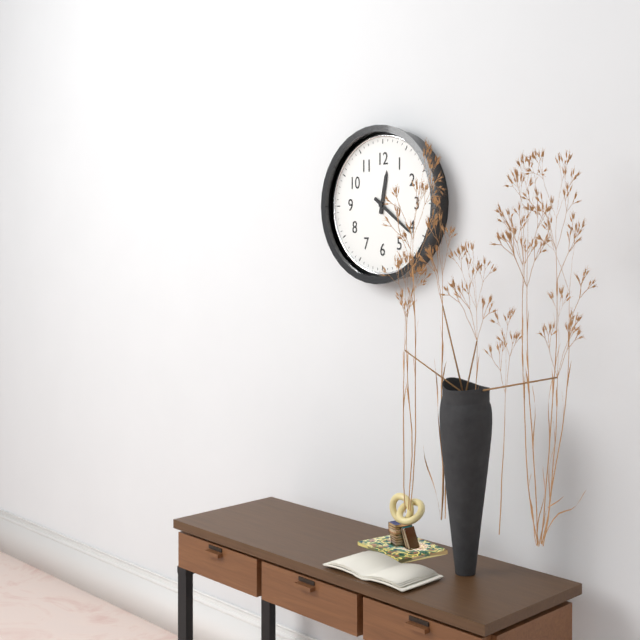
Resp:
h=12 m=21
